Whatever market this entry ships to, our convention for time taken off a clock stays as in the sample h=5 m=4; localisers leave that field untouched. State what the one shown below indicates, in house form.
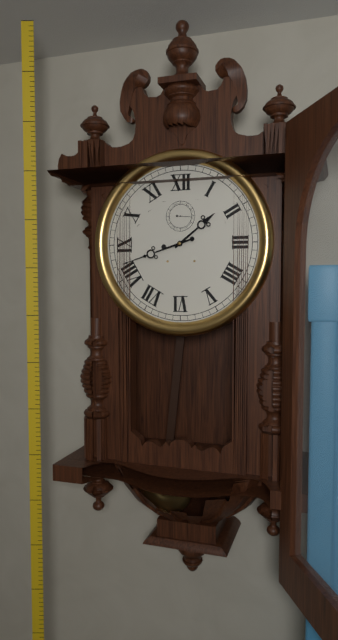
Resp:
h=1 m=42
